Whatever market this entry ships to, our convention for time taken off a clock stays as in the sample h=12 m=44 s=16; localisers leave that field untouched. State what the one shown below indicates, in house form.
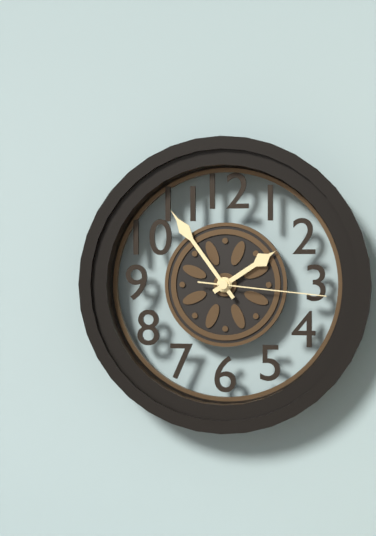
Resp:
h=1 m=54 s=16
